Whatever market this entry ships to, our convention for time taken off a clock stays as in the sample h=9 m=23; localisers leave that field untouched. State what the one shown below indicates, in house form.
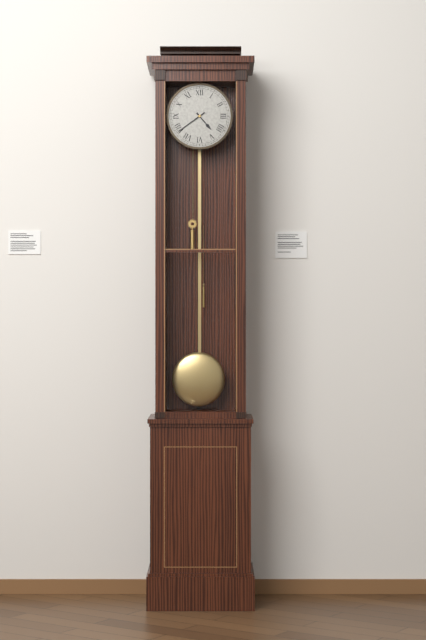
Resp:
h=4 m=39
